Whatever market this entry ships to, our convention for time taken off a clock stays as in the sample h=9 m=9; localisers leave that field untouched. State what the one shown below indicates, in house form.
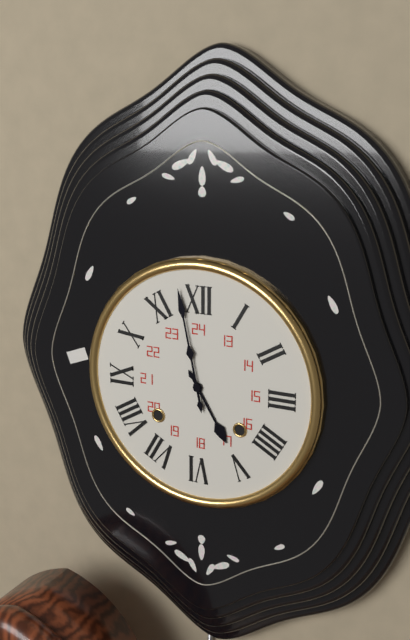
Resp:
h=4 m=58
